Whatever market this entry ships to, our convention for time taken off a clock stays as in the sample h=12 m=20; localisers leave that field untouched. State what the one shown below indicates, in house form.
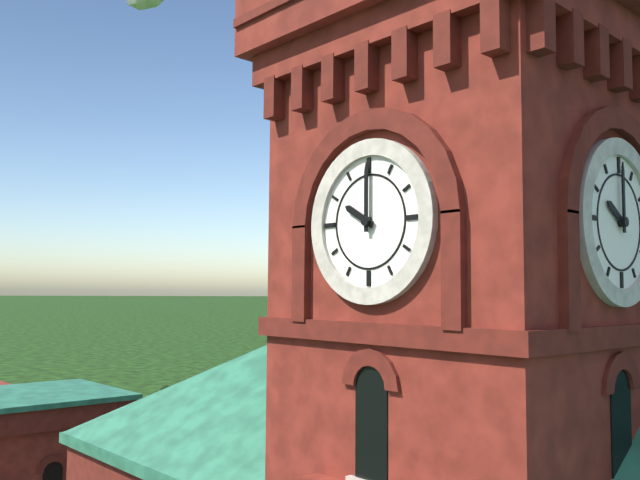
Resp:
h=10 m=0
